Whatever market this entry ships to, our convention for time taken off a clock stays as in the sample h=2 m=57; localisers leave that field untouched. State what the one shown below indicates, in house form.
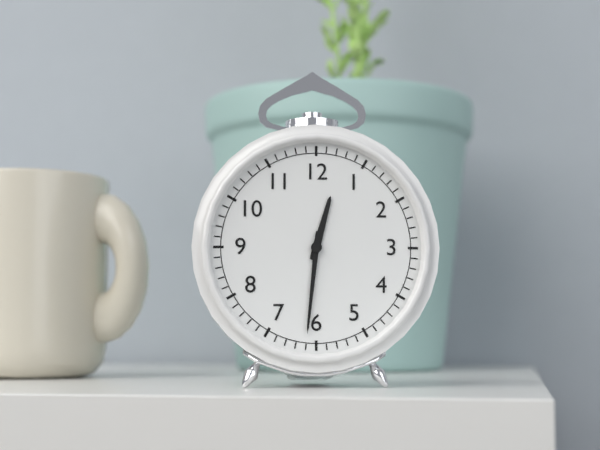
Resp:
h=12 m=31
